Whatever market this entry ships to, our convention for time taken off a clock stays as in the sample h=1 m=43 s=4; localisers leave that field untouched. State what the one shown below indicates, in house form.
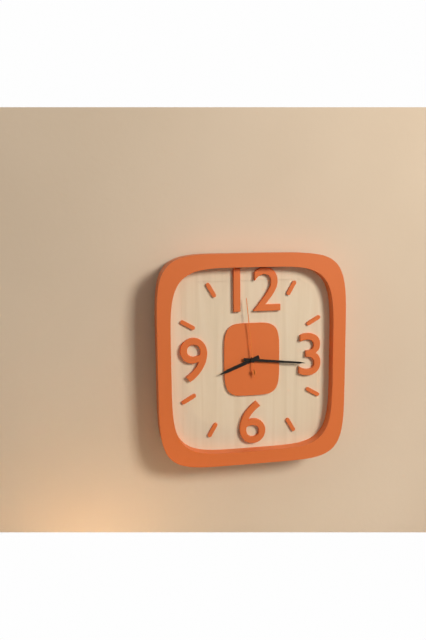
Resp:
h=8 m=16 s=59
